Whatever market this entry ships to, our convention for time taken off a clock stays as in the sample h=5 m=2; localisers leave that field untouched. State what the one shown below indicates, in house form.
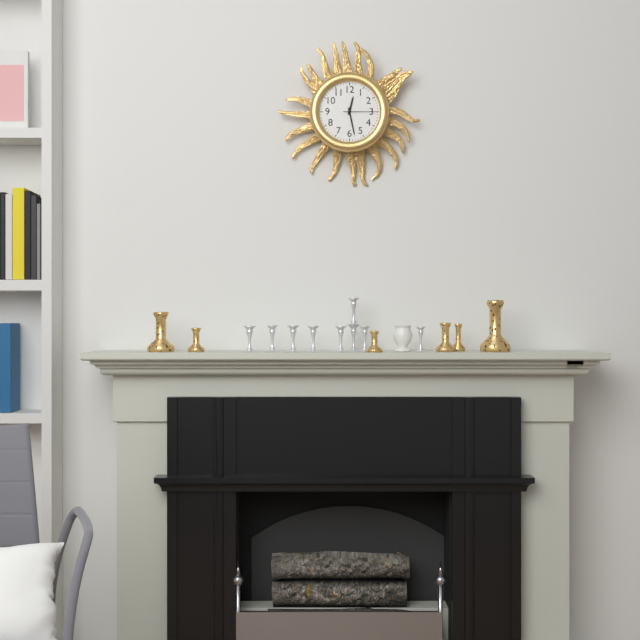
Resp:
h=12 m=28
